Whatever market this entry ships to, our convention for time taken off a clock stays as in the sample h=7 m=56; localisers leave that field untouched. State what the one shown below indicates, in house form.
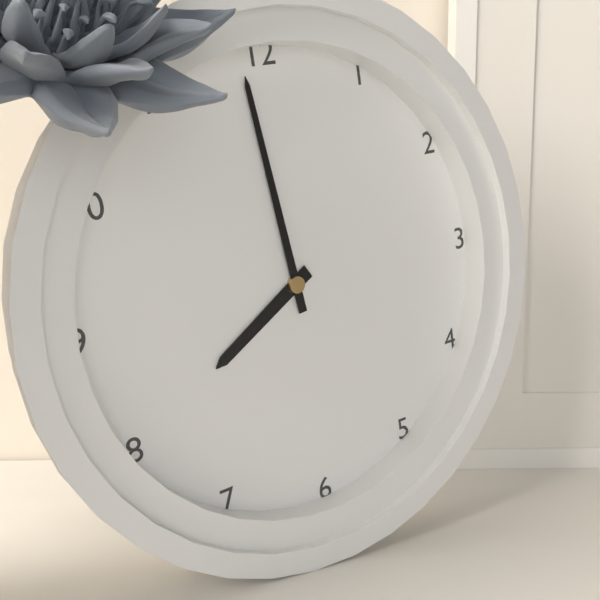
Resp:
h=7 m=59
